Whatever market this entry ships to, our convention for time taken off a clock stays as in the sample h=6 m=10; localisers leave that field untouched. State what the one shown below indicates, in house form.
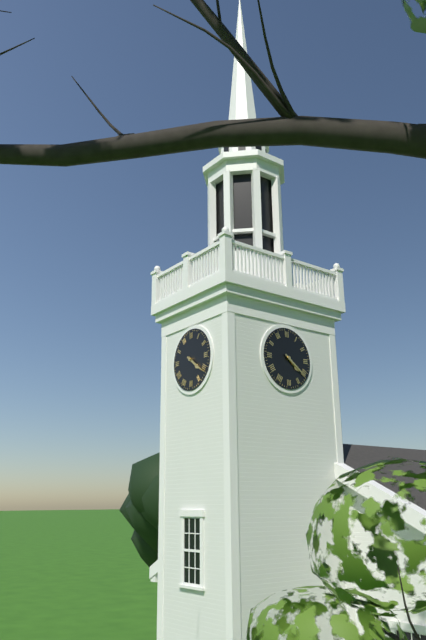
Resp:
h=4 m=21
